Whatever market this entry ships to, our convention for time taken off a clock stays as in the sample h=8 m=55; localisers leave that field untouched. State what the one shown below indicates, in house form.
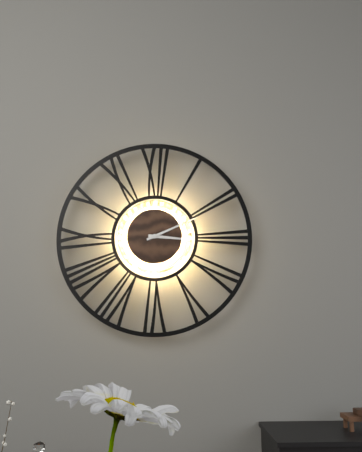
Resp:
h=3 m=11
